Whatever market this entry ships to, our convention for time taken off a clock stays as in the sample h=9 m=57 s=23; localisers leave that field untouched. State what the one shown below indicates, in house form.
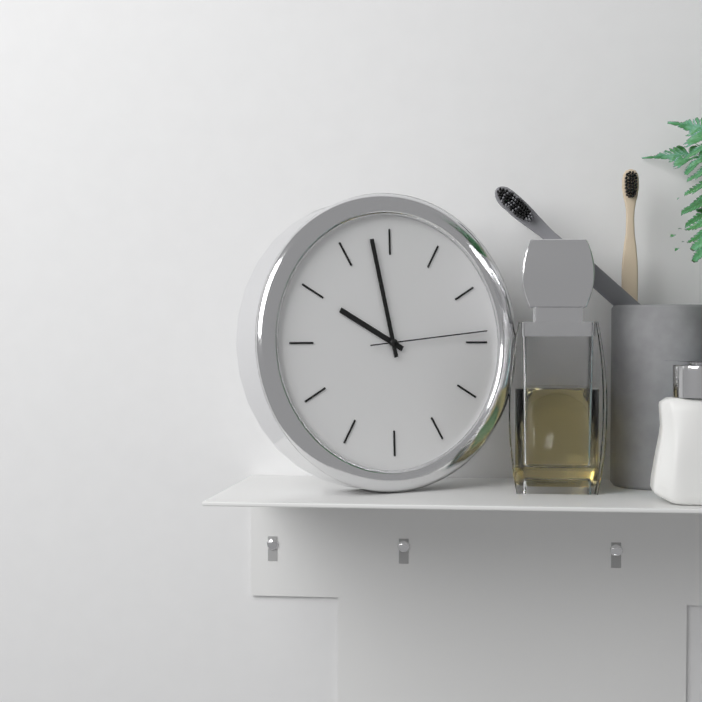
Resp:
h=9 m=58 s=14
